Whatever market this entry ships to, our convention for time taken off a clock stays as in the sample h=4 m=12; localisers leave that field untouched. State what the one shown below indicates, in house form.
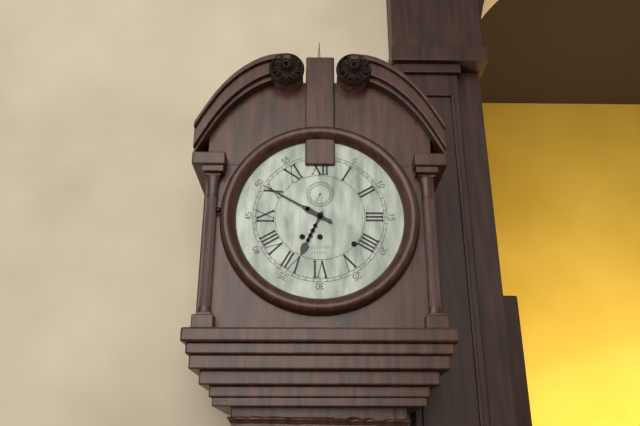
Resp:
h=6 m=50
